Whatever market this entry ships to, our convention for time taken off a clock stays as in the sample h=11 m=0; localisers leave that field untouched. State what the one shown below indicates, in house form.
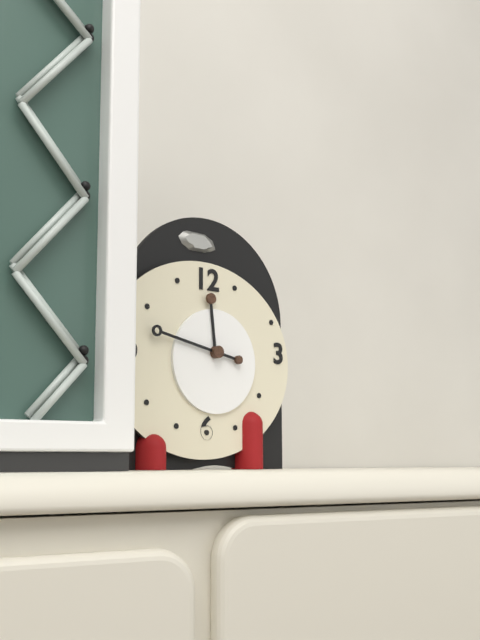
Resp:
h=11 m=47
